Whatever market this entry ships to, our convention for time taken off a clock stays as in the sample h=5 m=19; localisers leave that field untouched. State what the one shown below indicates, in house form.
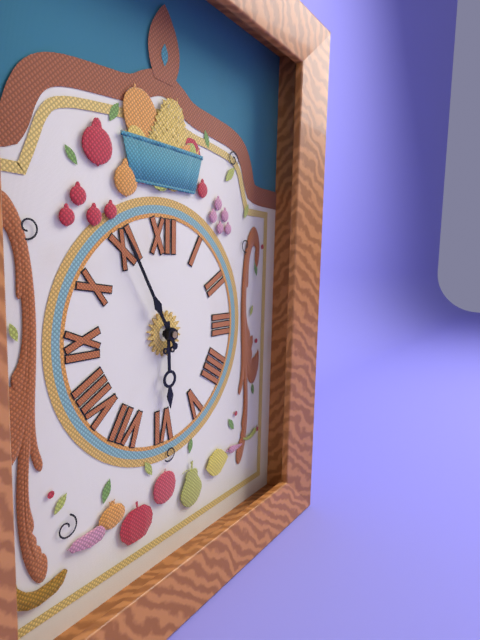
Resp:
h=5 m=55
